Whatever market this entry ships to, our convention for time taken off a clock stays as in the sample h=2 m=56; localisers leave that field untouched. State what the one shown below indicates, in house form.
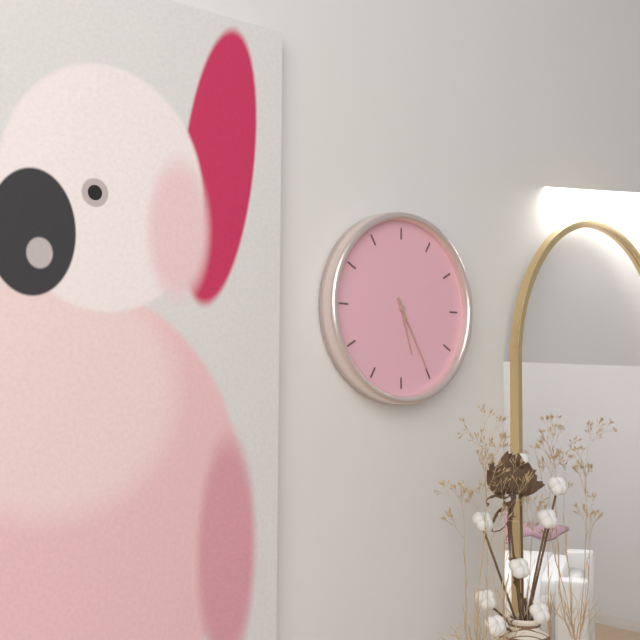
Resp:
h=5 m=25
